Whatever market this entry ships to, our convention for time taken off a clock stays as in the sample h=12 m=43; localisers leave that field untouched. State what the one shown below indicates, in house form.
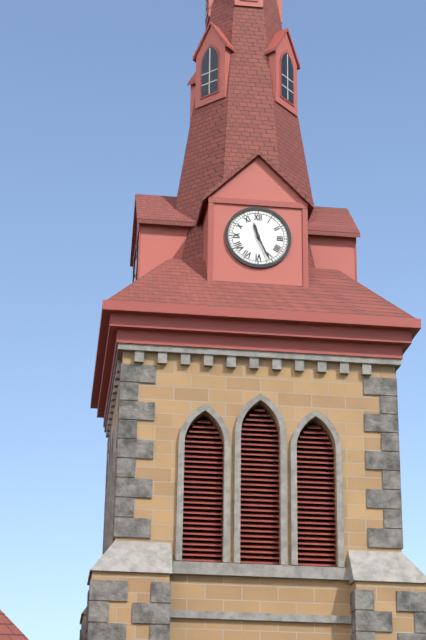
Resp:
h=11 m=26
